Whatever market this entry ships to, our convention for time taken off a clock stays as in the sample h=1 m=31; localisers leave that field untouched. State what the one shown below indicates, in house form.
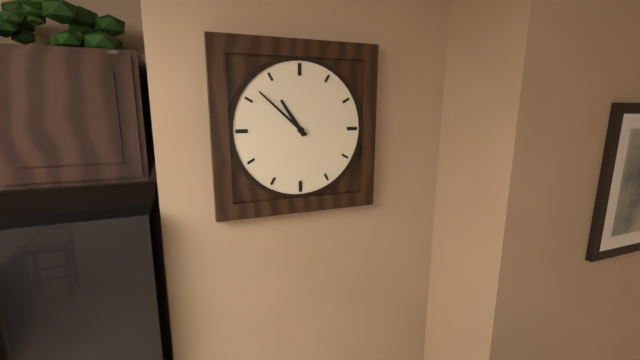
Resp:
h=10 m=52
